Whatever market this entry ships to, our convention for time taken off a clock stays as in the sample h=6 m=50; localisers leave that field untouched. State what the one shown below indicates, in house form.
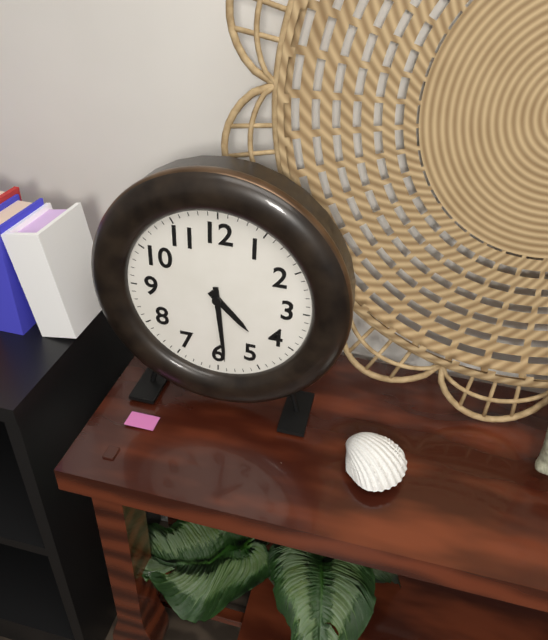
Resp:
h=4 m=29
